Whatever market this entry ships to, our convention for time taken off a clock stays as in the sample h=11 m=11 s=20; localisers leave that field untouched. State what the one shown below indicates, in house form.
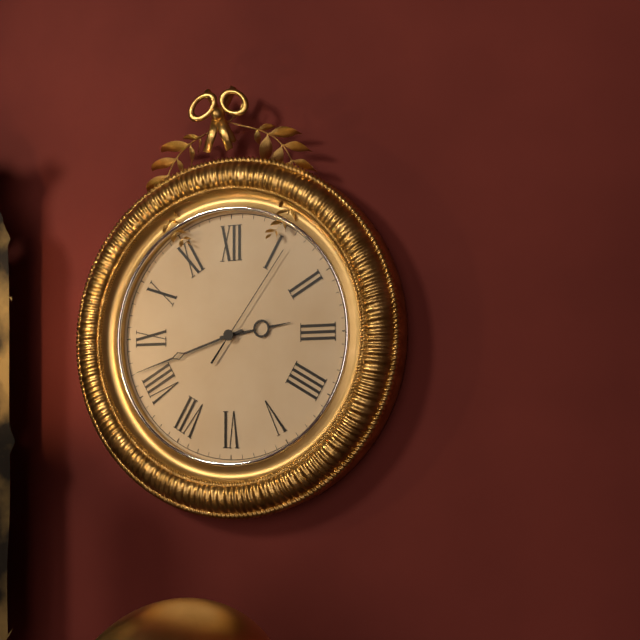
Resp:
h=2 m=42 s=6
